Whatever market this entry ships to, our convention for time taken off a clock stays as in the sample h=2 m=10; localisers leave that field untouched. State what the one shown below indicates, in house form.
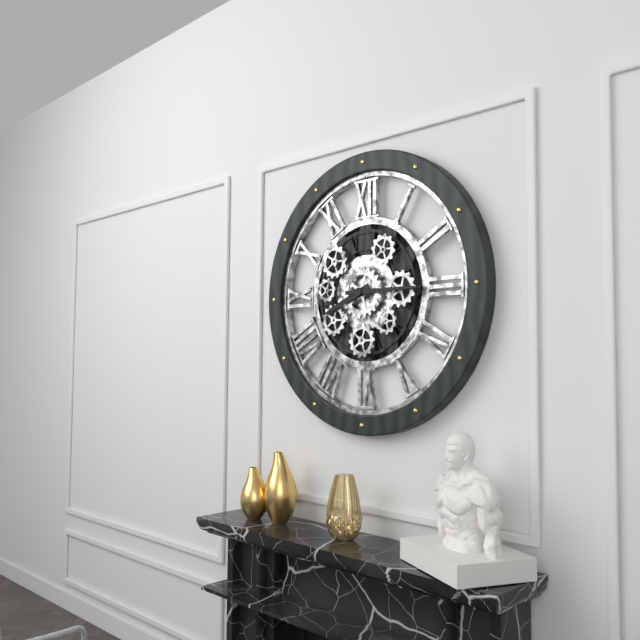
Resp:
h=8 m=15
